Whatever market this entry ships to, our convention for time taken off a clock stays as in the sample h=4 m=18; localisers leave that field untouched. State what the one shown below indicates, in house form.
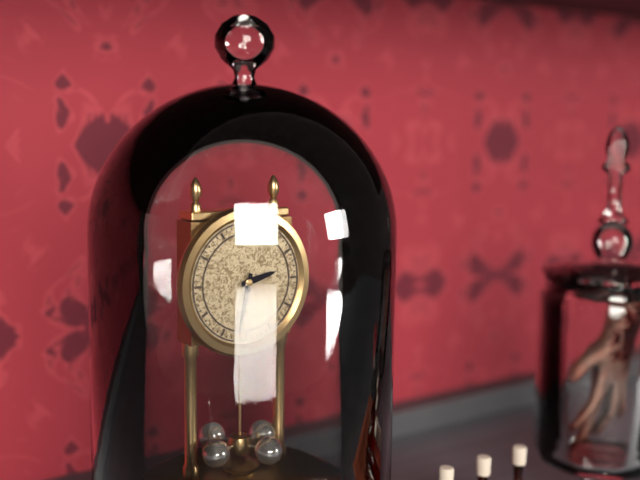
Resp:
h=2 m=32
